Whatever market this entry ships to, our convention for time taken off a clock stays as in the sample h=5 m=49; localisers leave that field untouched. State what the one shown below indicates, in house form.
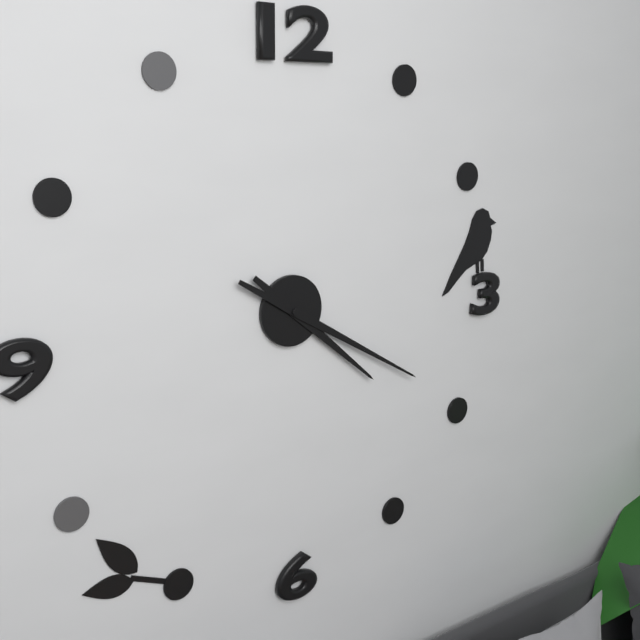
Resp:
h=4 m=20
